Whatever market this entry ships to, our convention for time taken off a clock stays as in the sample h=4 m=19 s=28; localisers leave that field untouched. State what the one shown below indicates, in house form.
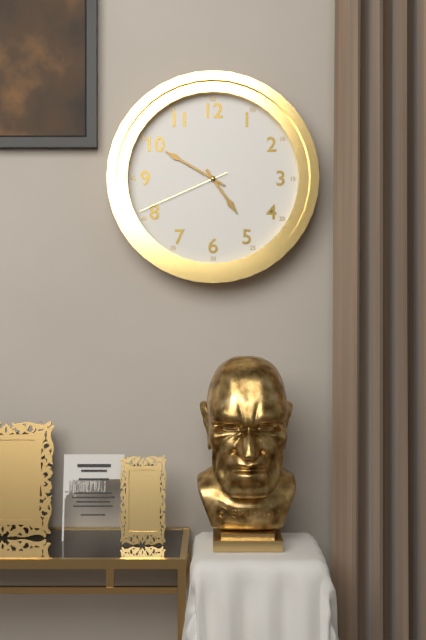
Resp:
h=4 m=50 s=41
